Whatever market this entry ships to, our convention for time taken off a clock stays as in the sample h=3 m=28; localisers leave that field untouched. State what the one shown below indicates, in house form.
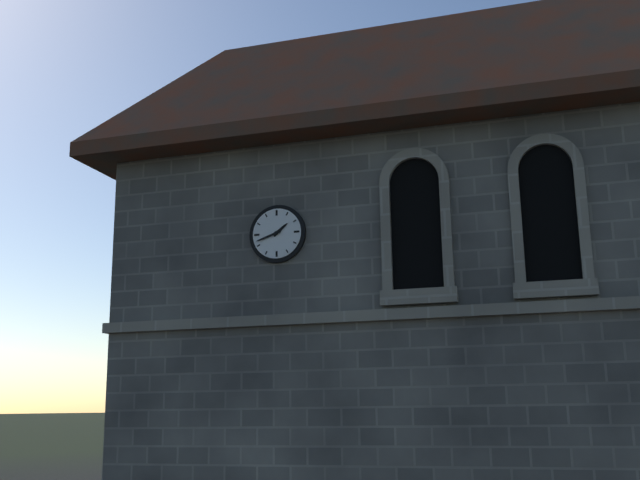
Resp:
h=1 m=42
